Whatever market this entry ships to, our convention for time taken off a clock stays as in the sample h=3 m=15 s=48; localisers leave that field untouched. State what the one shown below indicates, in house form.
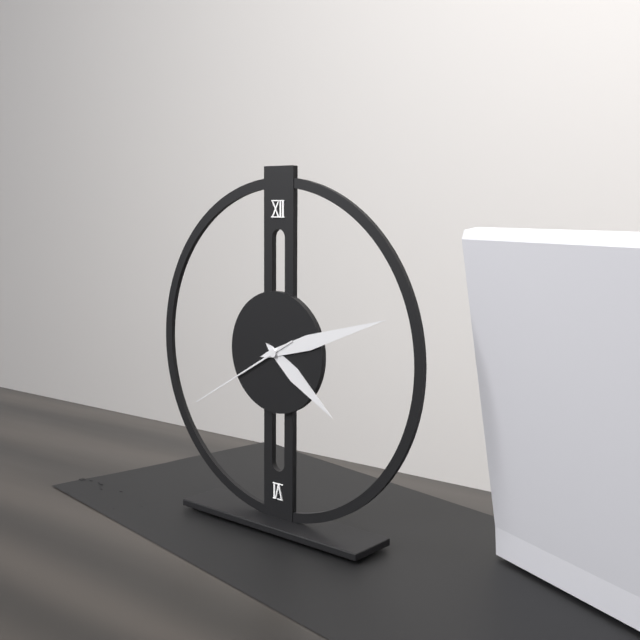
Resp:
h=4 m=12 s=40
